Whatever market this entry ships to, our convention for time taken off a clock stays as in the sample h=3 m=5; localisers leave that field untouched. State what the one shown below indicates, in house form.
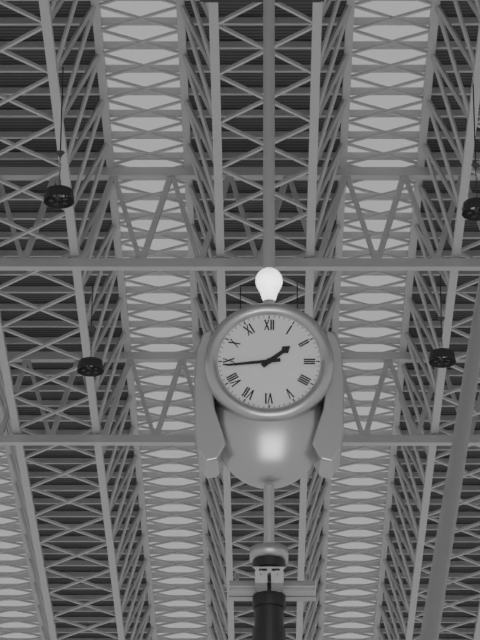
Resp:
h=1 m=44
